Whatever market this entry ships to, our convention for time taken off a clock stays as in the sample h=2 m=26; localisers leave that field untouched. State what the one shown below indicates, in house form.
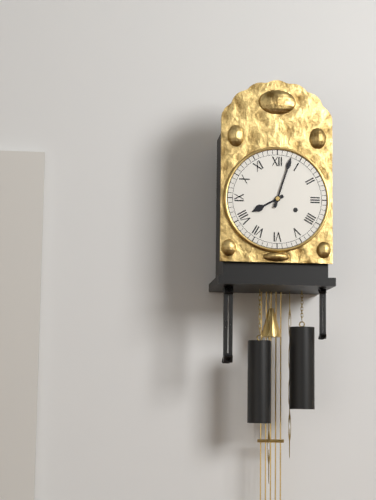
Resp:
h=8 m=3
